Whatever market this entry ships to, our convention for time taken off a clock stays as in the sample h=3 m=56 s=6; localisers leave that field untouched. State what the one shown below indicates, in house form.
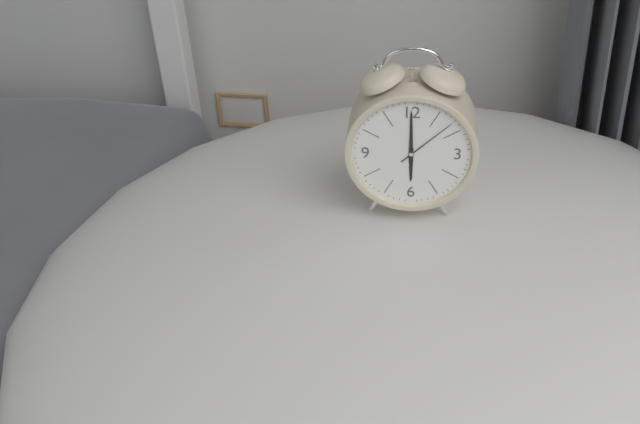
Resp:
h=6 m=0 s=8
